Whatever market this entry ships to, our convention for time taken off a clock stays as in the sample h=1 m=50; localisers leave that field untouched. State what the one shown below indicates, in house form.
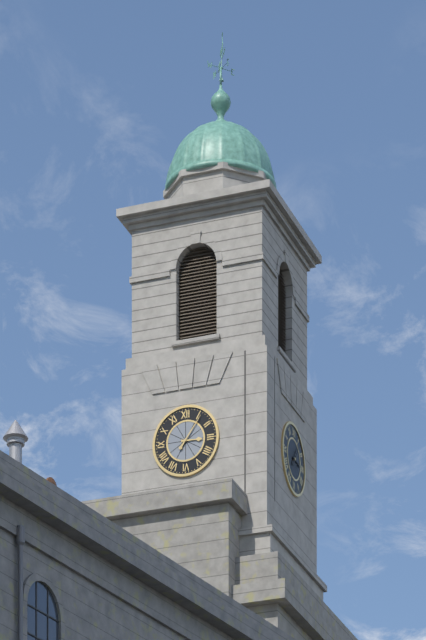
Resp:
h=3 m=6
